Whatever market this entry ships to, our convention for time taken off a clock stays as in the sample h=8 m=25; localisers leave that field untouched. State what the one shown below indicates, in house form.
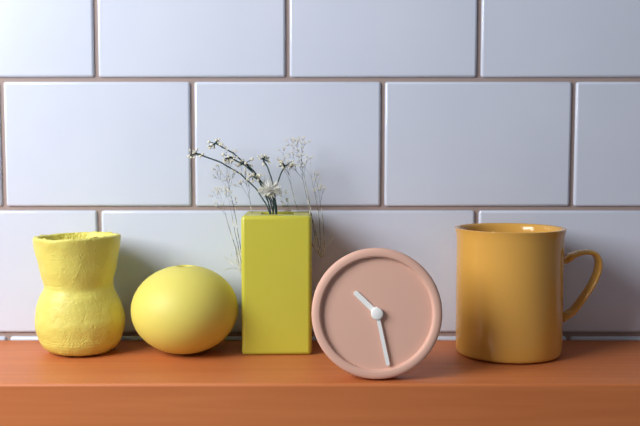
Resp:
h=10 m=28
